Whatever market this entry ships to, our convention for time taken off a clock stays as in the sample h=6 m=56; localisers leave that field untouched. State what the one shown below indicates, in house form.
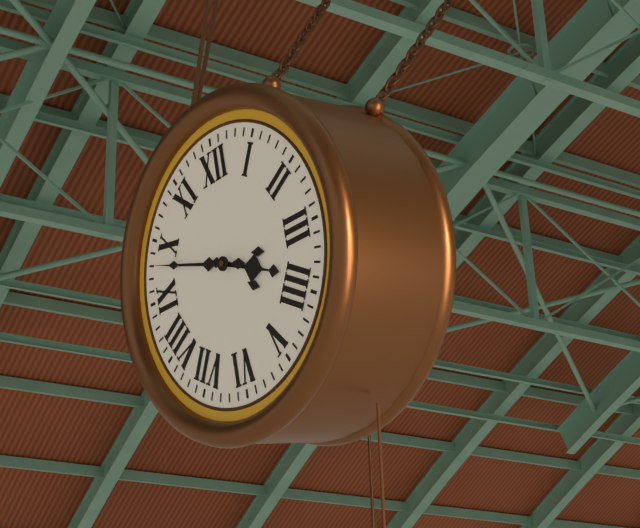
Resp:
h=3 m=48
